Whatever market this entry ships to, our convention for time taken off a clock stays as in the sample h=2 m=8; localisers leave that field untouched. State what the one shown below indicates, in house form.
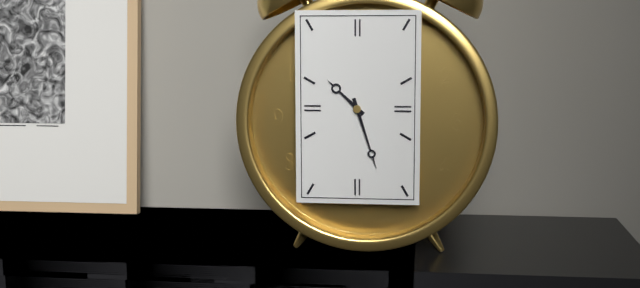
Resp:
h=10 m=27
